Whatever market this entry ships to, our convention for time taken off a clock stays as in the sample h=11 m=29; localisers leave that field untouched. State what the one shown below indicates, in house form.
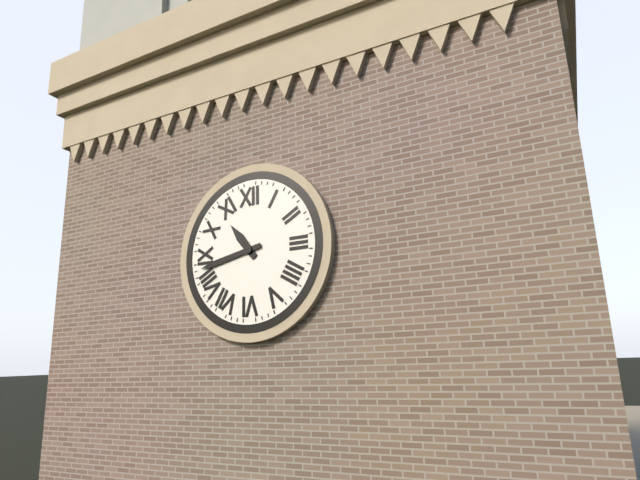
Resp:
h=10 m=43
